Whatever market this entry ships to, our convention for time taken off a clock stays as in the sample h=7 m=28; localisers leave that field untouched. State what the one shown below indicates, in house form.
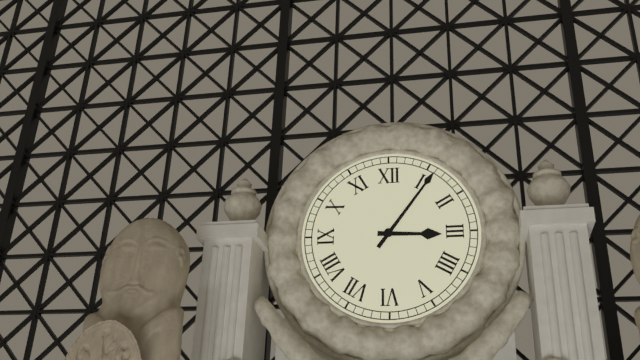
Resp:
h=3 m=6
